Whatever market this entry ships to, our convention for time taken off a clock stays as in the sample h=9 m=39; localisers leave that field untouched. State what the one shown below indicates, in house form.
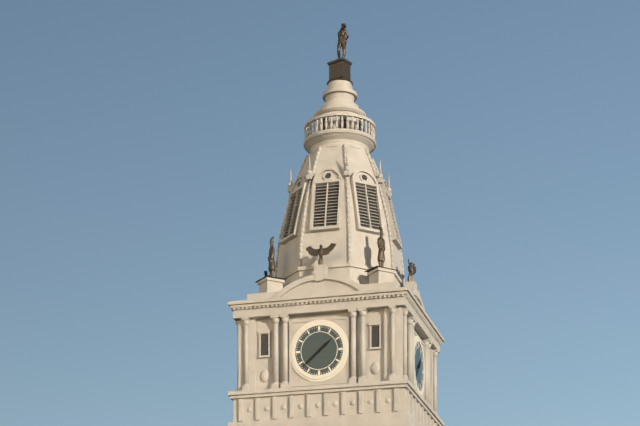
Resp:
h=1 m=38
